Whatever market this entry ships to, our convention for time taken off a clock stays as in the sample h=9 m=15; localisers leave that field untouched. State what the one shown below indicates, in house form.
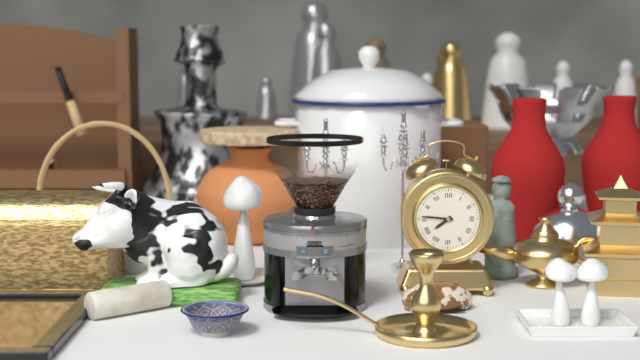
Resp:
h=7 m=46
